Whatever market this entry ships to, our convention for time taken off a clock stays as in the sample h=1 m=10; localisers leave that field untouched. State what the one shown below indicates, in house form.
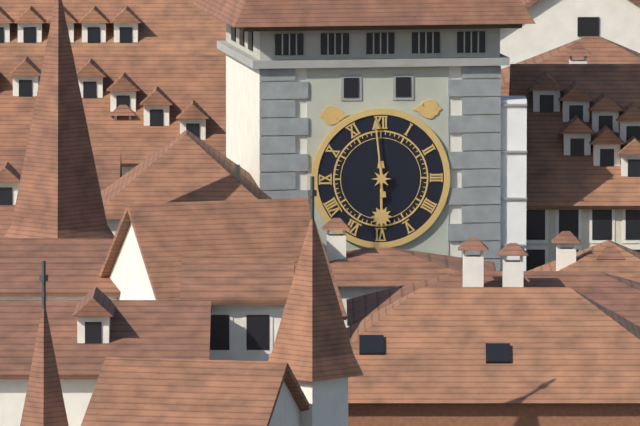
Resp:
h=5 m=59
